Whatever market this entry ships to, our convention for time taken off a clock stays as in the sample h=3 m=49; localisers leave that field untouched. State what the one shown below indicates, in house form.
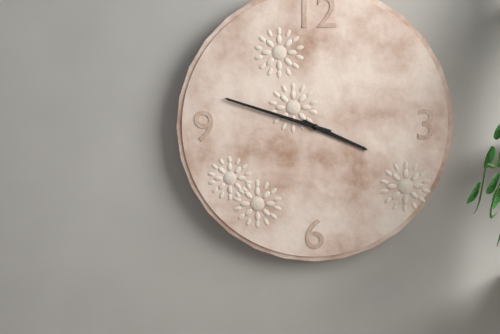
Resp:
h=3 m=48
